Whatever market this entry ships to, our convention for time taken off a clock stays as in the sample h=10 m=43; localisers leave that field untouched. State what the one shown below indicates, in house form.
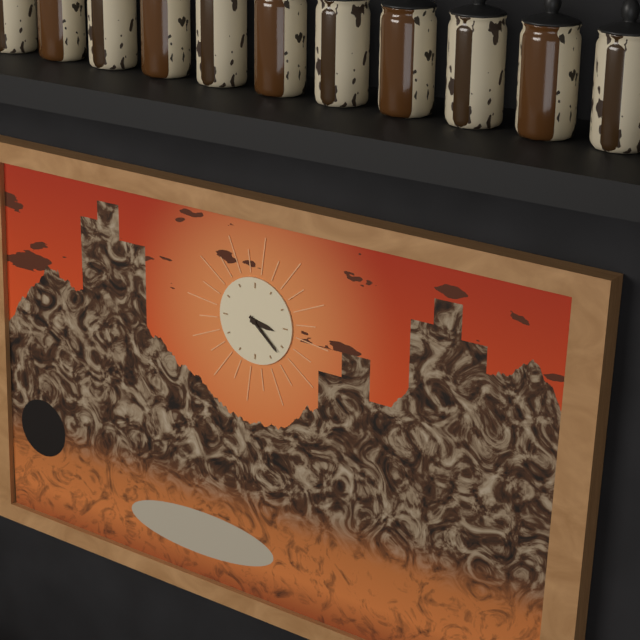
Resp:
h=3 m=22
